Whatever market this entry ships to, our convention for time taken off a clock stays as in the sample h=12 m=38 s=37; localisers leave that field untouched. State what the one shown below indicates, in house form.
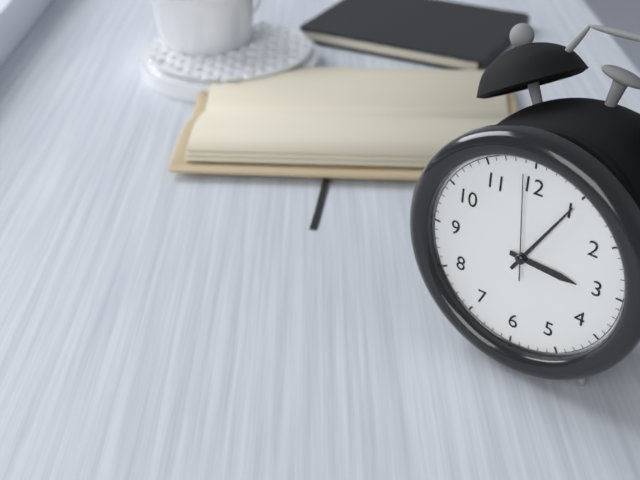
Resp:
h=3 m=5 s=59
